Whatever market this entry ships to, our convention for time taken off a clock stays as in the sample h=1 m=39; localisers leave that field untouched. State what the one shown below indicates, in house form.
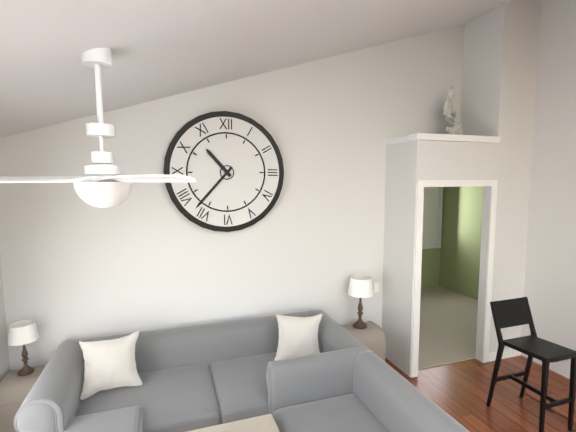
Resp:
h=10 m=37
